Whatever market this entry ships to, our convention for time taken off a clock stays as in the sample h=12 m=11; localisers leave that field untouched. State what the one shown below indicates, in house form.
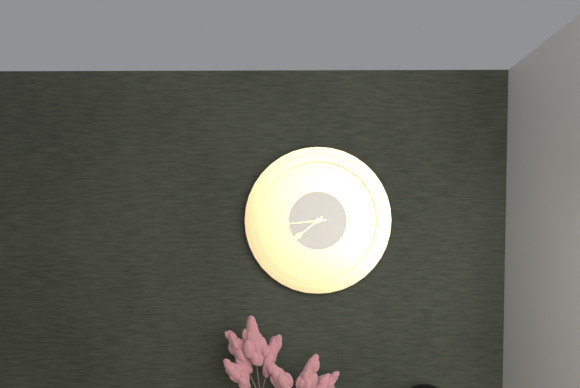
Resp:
h=7 m=44
